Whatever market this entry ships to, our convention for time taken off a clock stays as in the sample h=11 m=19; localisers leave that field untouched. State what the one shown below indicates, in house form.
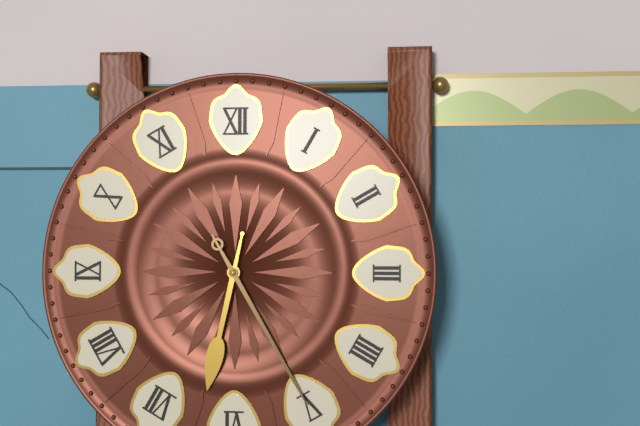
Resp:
h=6 m=25
